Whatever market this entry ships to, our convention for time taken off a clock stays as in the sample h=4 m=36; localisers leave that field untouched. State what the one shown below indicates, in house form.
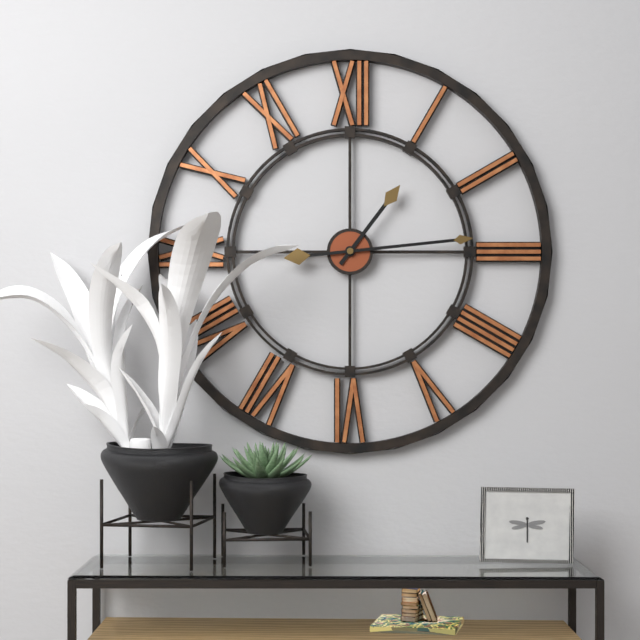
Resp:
h=1 m=14
